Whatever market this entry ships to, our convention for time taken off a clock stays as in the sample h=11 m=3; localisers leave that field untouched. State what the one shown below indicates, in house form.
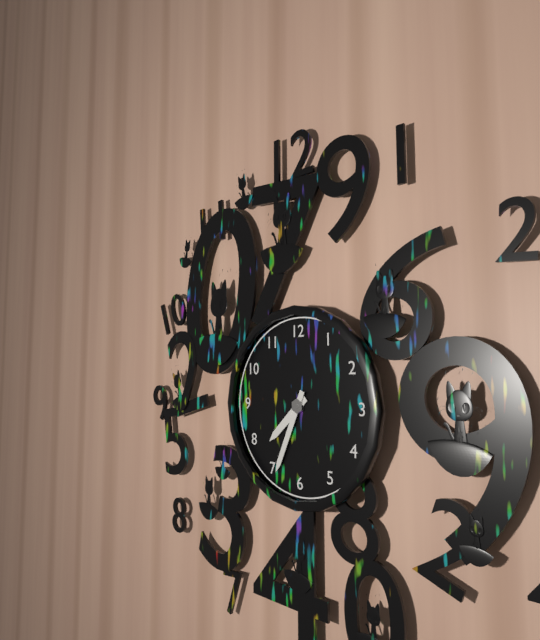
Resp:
h=7 m=34
